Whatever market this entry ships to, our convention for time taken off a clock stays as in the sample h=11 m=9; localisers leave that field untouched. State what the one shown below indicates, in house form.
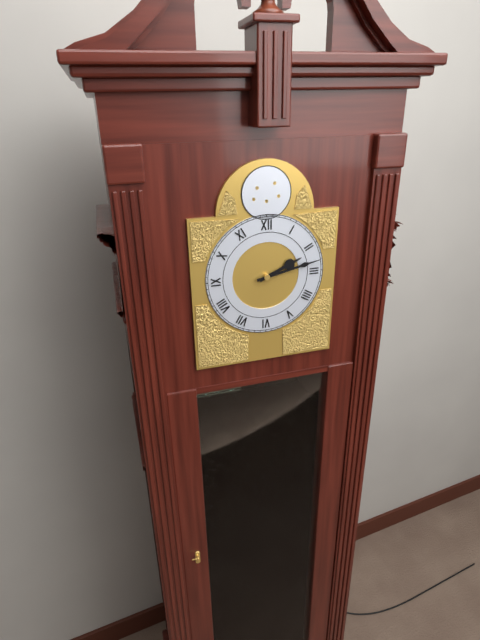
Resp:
h=2 m=13
